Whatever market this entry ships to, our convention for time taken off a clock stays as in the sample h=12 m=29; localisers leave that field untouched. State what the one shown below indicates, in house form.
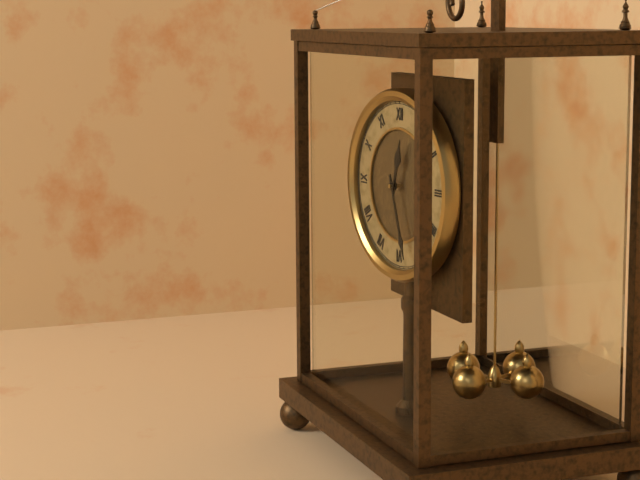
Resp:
h=12 m=27
